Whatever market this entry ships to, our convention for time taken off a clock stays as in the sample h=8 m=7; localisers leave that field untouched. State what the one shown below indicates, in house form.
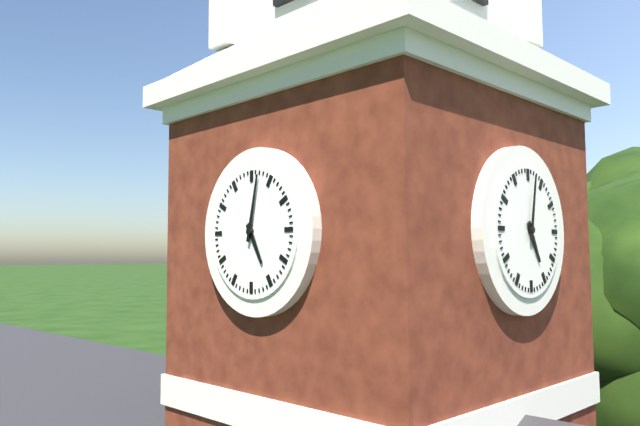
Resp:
h=5 m=2
